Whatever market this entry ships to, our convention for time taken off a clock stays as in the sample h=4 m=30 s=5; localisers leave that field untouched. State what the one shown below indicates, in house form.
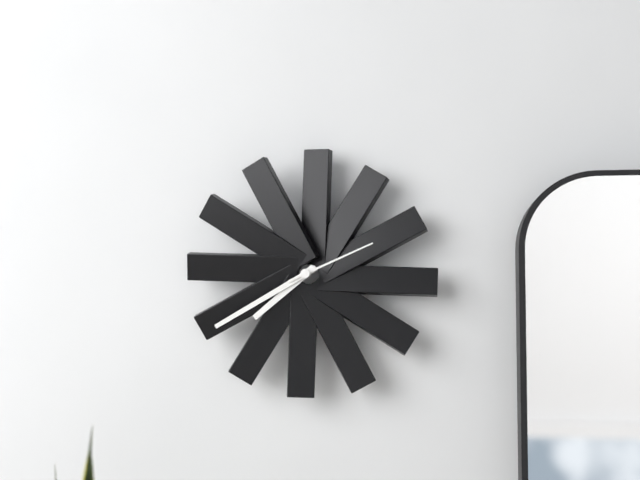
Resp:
h=7 m=40 s=11
